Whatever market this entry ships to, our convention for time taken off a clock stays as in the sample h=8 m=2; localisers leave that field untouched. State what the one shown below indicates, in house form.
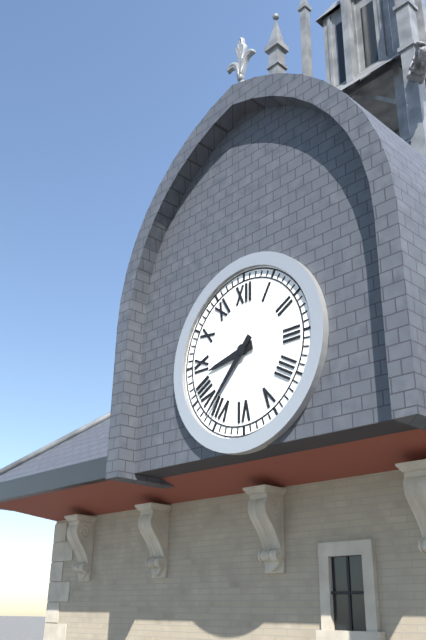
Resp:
h=8 m=37
